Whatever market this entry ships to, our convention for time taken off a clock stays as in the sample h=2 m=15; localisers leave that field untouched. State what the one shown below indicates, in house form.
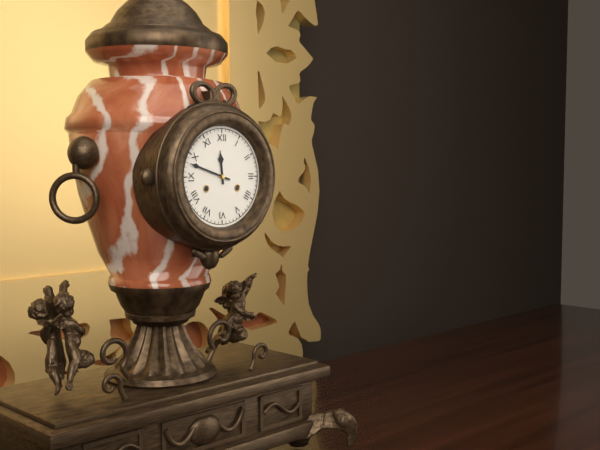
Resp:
h=11 m=48
